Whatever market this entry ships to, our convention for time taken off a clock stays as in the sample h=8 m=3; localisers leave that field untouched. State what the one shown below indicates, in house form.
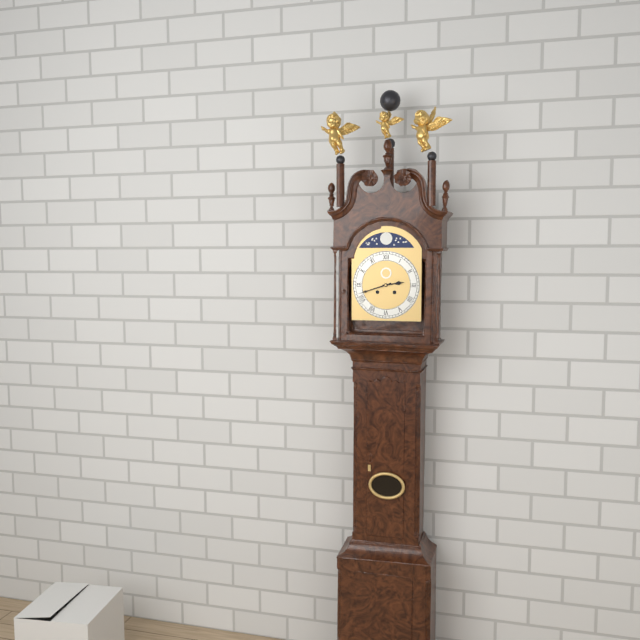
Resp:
h=2 m=42
